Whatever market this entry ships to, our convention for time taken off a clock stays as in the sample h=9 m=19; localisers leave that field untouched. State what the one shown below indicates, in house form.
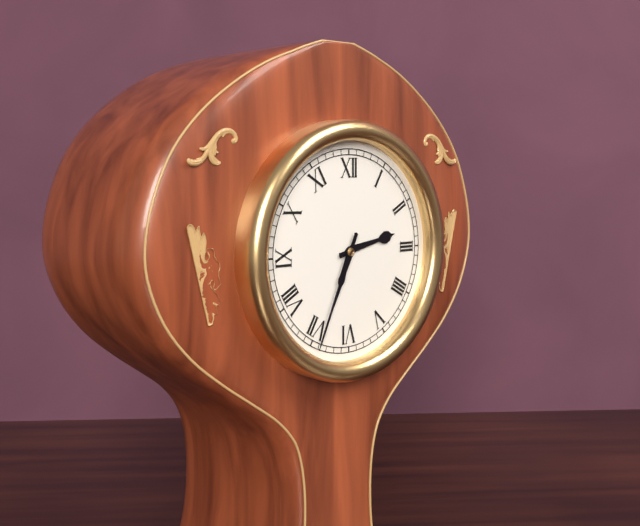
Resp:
h=2 m=34
